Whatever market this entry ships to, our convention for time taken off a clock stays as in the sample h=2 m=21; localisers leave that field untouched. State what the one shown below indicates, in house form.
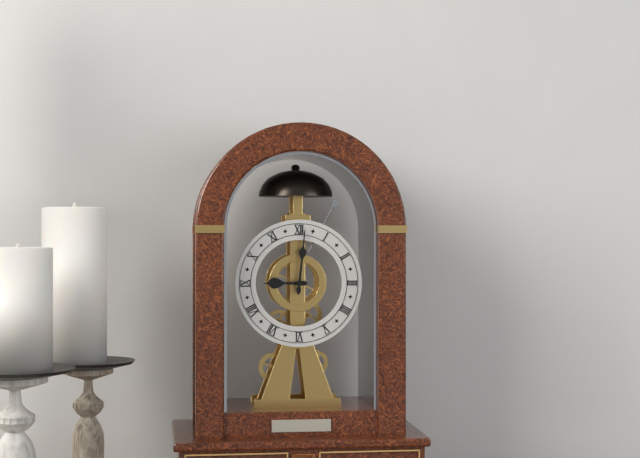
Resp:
h=9 m=1
